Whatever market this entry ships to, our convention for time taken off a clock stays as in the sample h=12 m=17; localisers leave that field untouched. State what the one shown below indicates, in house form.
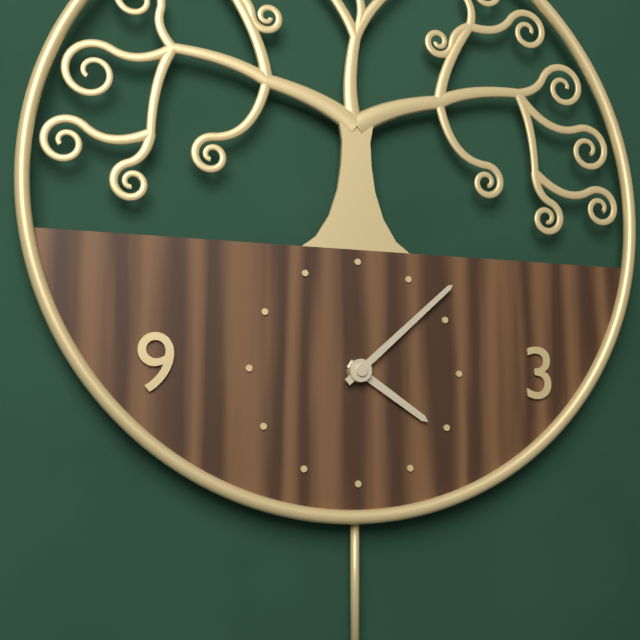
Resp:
h=4 m=8
